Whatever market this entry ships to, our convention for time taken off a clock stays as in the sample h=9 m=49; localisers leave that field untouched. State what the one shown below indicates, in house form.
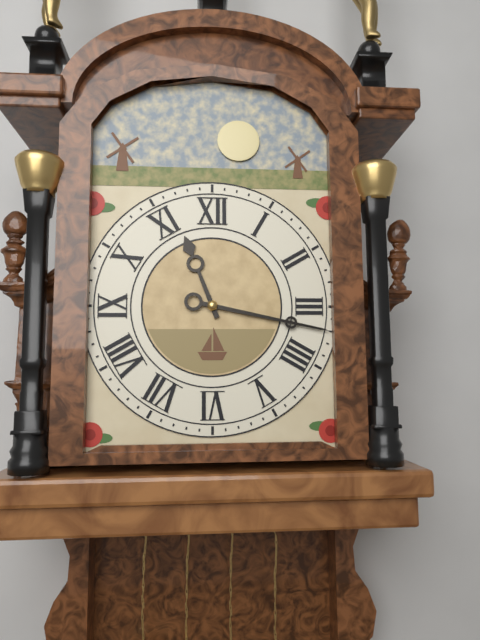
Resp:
h=11 m=17
